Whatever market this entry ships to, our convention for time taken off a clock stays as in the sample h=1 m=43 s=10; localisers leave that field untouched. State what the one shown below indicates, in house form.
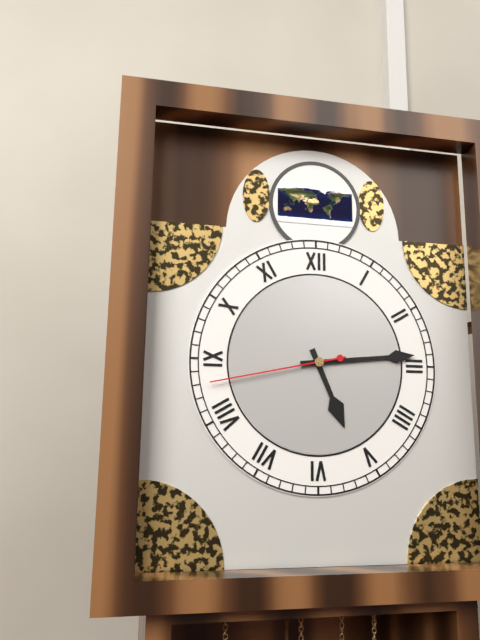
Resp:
h=5 m=14 s=43
